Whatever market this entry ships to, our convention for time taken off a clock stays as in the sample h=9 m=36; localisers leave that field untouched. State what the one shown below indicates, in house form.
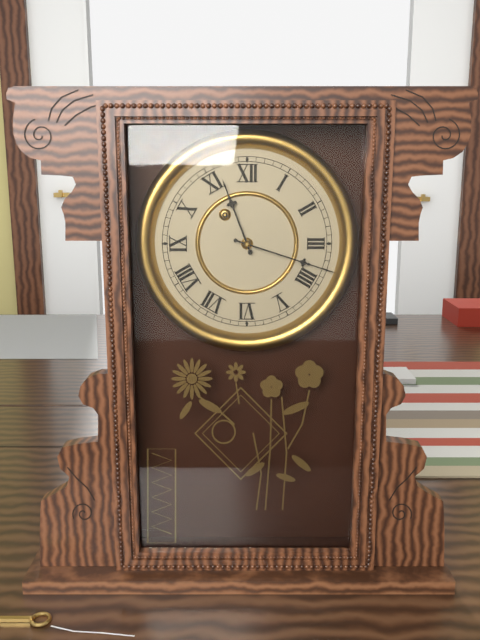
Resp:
h=11 m=18
